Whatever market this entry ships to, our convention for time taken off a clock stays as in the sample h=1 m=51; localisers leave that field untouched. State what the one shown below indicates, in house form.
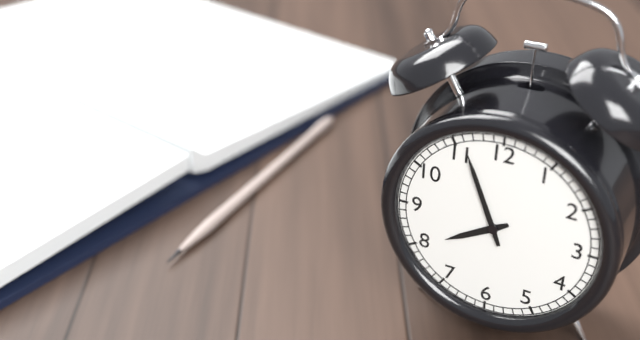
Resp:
h=7 m=56
